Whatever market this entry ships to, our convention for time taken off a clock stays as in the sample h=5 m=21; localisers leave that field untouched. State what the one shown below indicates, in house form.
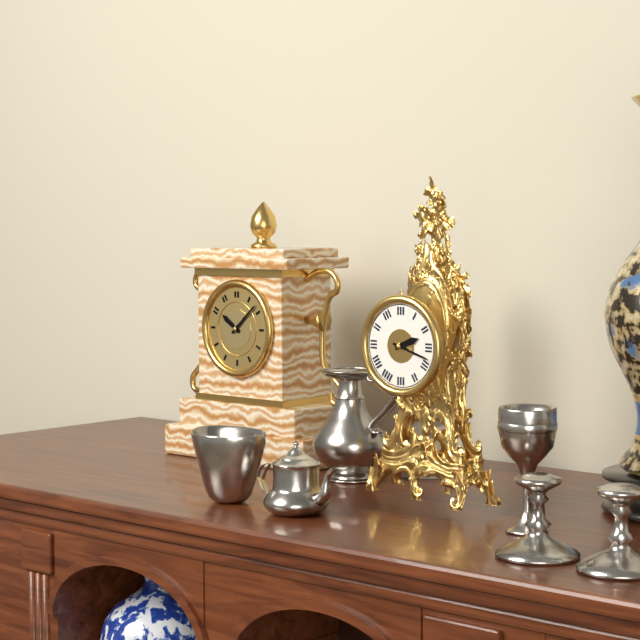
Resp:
h=2 m=18
